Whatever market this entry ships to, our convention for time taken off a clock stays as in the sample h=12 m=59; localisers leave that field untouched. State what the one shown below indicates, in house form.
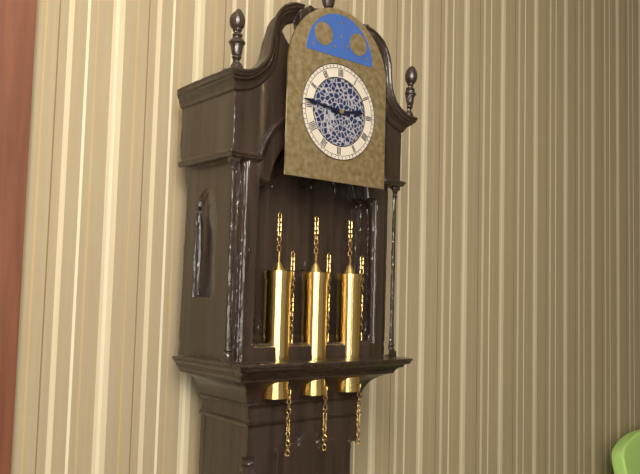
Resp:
h=2 m=46
